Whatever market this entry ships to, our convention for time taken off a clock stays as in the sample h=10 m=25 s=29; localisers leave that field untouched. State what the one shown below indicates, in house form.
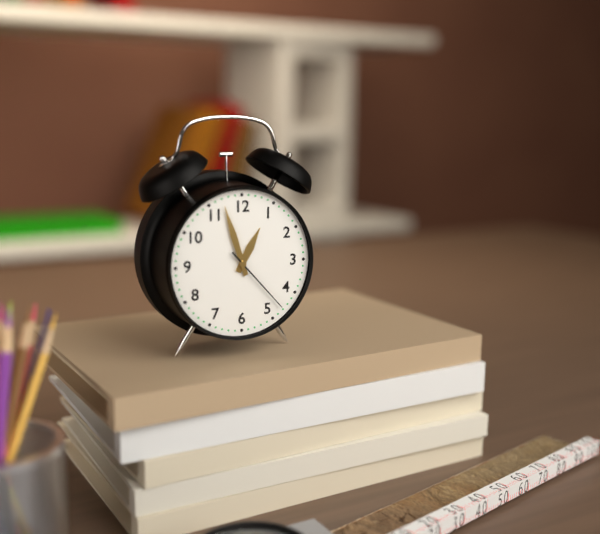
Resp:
h=12 m=57 s=23
